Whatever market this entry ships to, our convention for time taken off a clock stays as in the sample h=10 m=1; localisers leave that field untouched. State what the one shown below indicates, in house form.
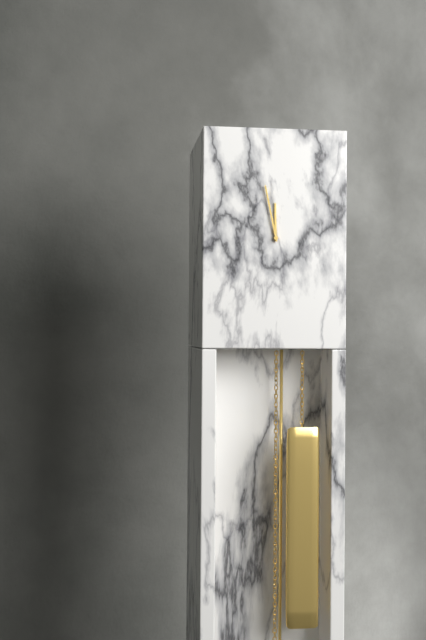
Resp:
h=11 m=58
